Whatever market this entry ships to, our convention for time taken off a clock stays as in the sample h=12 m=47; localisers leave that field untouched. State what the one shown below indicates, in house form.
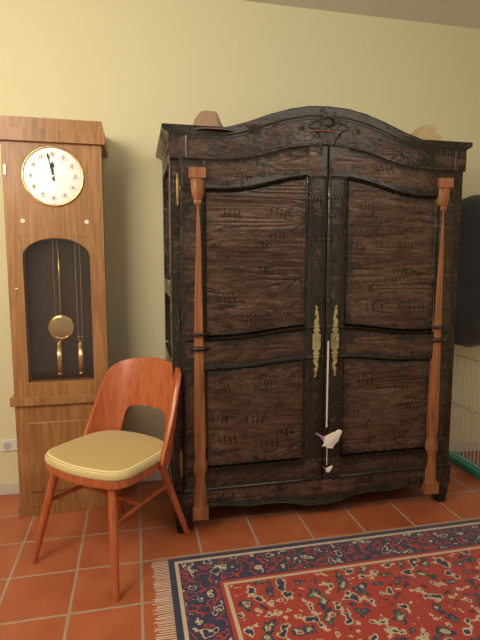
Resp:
h=11 m=58
